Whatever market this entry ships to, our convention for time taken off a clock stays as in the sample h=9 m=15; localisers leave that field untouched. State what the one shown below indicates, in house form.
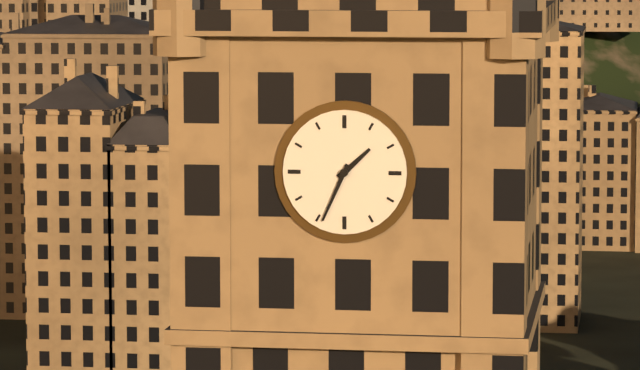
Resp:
h=1 m=34
